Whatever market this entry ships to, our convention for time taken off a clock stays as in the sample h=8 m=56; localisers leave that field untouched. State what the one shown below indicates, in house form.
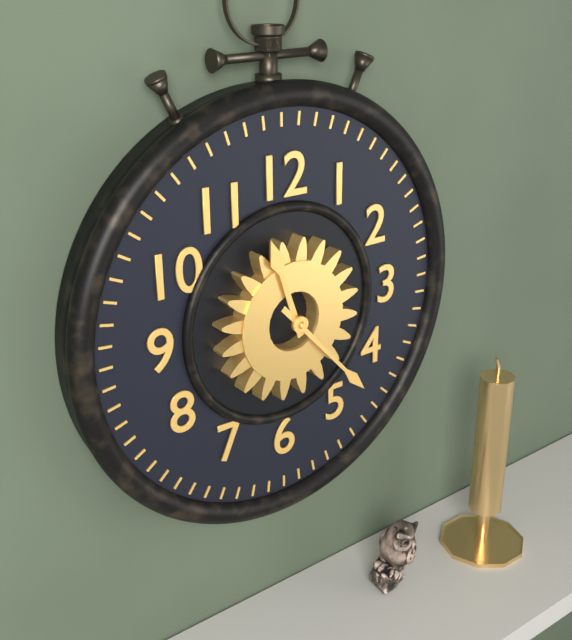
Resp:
h=11 m=23
